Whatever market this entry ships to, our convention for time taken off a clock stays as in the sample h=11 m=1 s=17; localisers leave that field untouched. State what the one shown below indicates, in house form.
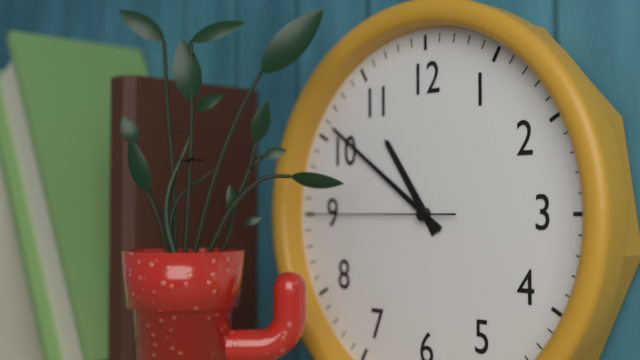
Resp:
h=10 m=51 s=45
